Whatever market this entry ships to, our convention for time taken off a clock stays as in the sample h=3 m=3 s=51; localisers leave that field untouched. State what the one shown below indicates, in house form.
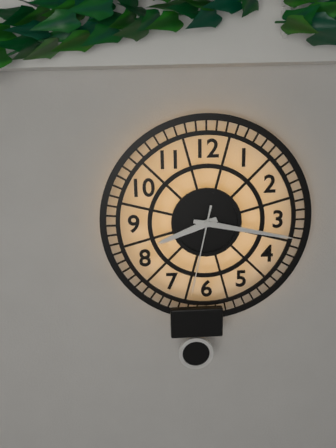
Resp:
h=8 m=17 s=32
